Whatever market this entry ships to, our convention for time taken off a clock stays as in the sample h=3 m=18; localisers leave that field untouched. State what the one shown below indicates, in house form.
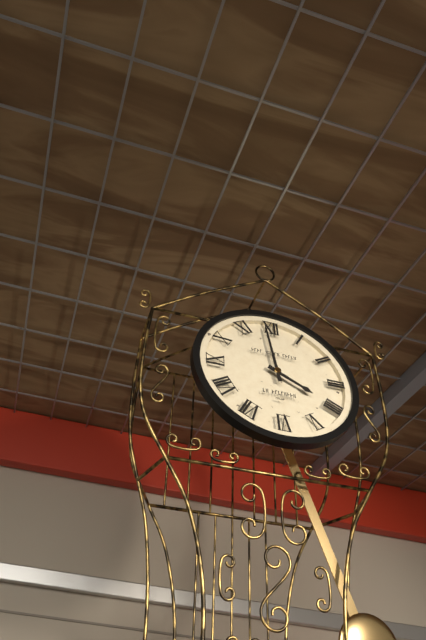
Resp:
h=3 m=59
